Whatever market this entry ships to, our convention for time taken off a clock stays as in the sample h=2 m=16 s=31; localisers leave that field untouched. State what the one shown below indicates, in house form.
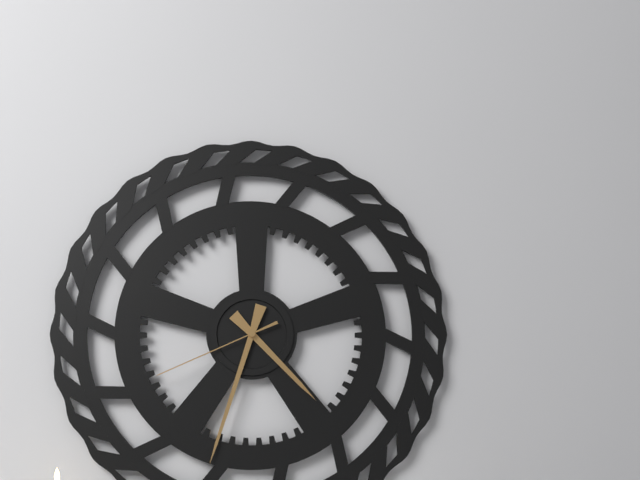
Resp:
h=4 m=33 s=41
